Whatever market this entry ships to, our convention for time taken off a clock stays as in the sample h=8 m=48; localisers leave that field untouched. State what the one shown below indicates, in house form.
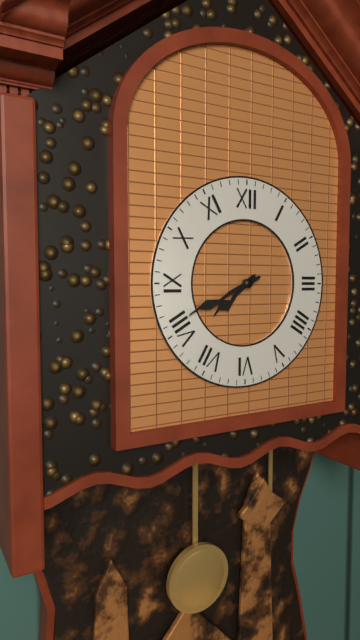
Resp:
h=7 m=41
